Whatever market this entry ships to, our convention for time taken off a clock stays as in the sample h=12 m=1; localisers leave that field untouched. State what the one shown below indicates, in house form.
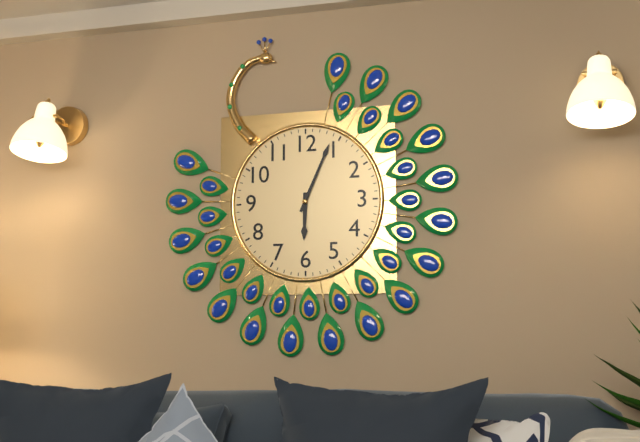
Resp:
h=6 m=4
